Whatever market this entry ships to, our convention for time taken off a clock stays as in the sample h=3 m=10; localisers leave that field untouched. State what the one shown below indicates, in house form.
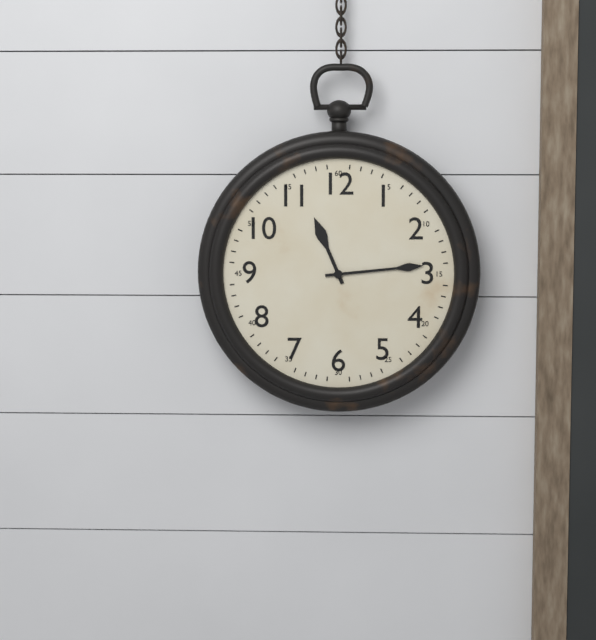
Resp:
h=11 m=14
